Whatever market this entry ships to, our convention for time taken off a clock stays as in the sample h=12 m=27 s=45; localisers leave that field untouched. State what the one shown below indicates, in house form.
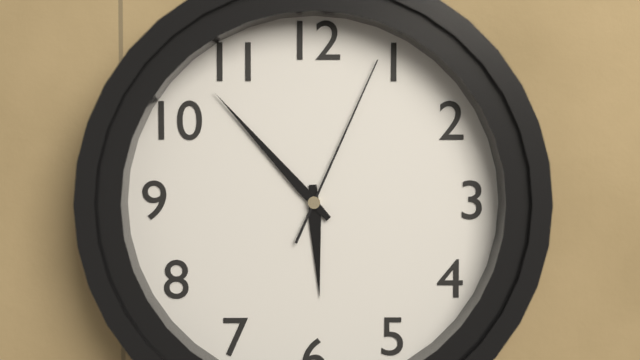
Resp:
h=5 m=53 s=4
